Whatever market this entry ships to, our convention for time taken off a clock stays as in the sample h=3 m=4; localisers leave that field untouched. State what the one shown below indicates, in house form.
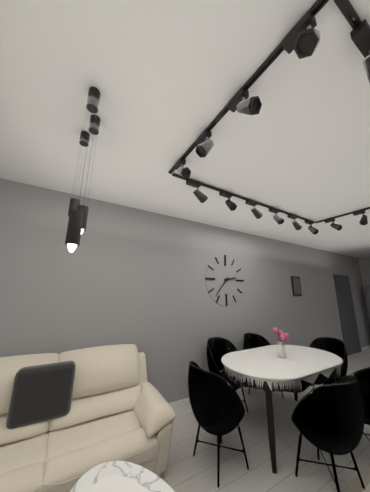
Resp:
h=2 m=37
